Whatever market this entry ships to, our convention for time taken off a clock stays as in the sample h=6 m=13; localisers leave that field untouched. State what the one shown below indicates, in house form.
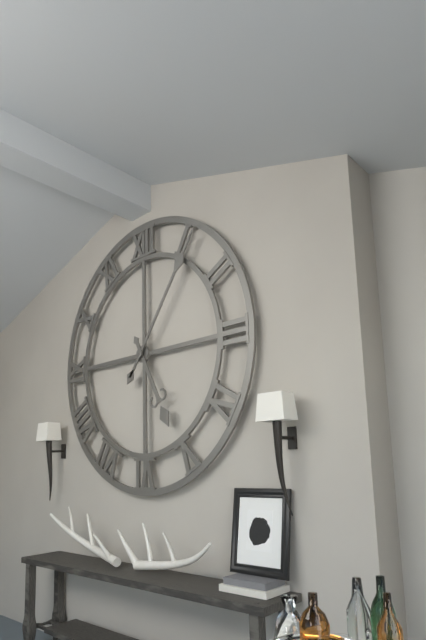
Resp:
h=5 m=6
